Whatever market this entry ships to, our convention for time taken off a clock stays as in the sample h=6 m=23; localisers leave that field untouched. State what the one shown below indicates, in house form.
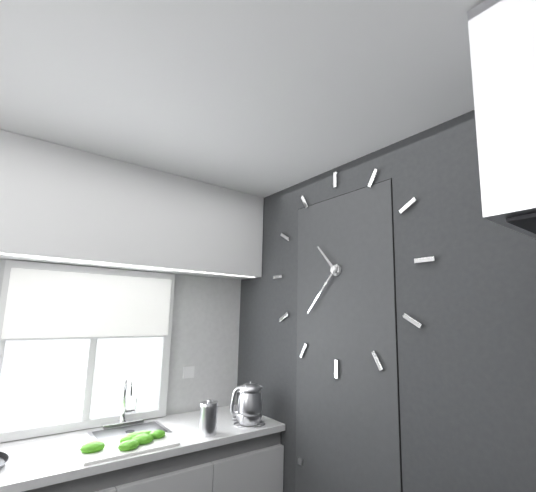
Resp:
h=10 m=37
